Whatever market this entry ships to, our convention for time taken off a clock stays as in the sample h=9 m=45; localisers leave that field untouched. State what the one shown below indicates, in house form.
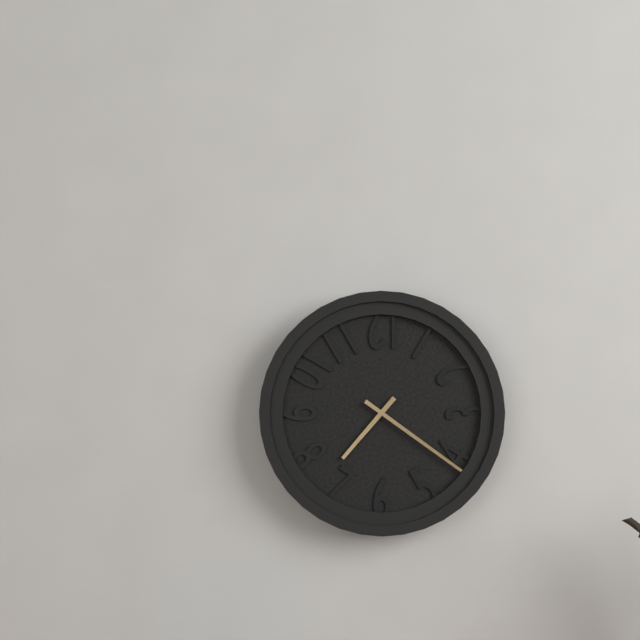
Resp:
h=7 m=21
